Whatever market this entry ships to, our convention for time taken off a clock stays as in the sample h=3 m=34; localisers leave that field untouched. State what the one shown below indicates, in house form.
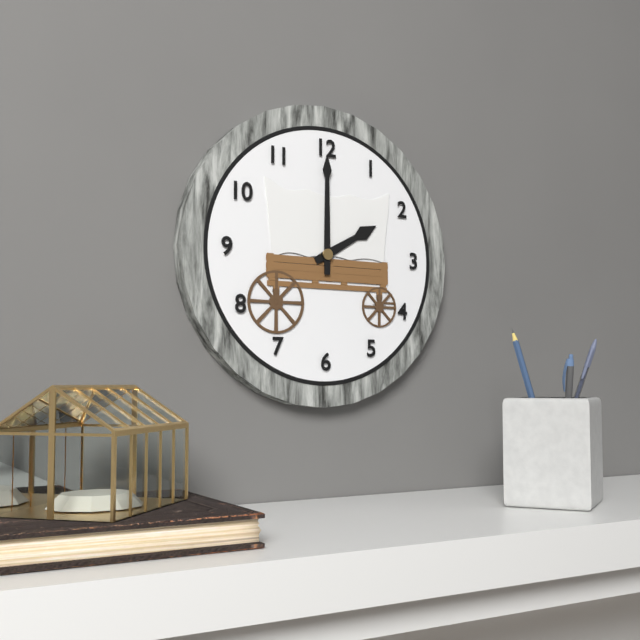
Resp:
h=2 m=0
